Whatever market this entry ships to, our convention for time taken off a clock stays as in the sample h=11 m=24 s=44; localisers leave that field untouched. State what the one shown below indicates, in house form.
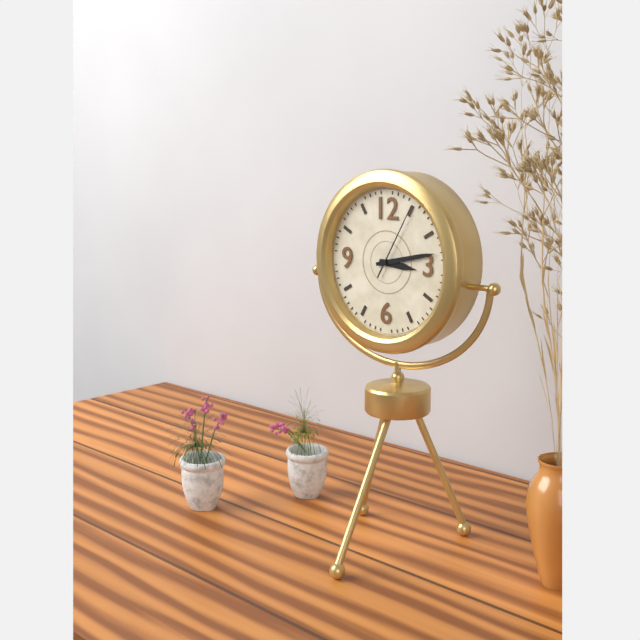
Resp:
h=3 m=13 s=5
